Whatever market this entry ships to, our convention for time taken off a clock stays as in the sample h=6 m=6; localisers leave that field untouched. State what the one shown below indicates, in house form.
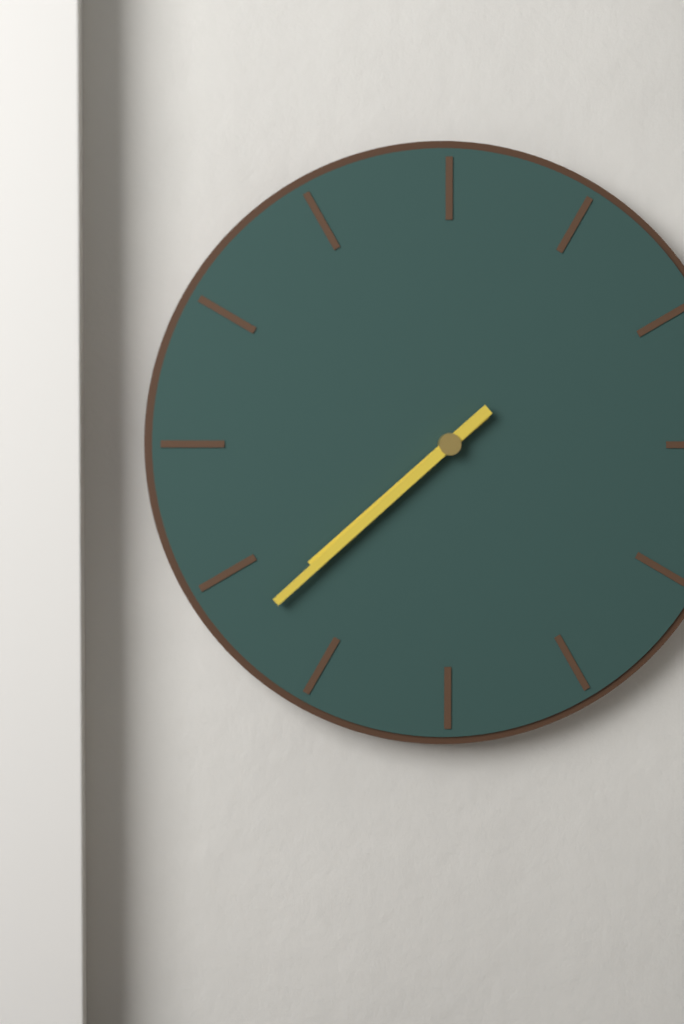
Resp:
h=7 m=38
